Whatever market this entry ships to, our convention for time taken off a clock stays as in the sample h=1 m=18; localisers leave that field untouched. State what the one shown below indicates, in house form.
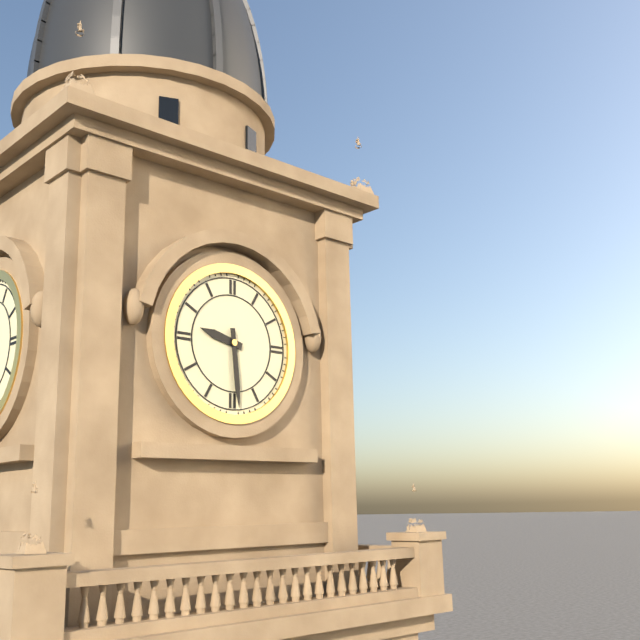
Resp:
h=9 m=29
